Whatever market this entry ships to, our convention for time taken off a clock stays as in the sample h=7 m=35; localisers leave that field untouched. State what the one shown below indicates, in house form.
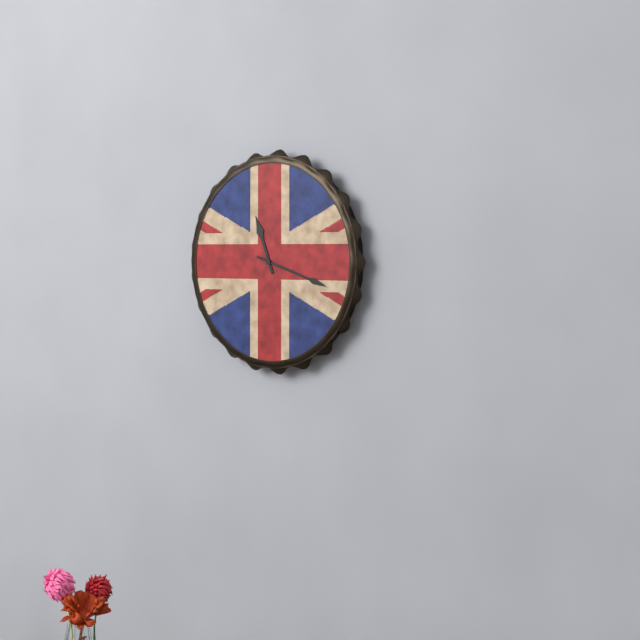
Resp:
h=11 m=18
